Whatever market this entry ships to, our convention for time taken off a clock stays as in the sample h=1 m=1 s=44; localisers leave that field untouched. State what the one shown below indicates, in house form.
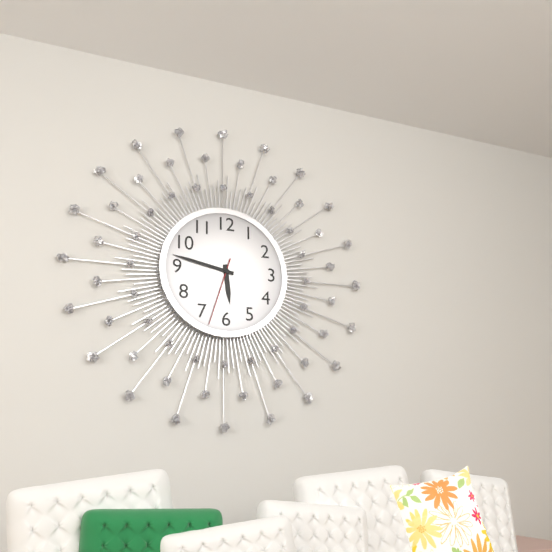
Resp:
h=5 m=47 s=33
